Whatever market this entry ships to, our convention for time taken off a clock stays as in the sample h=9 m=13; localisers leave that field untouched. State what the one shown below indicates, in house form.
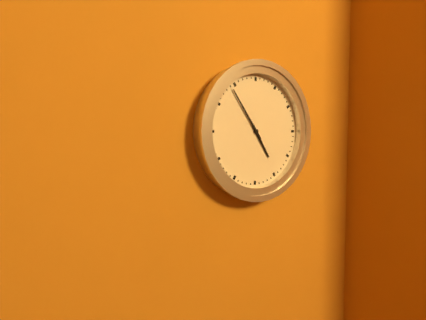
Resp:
h=4 m=54
